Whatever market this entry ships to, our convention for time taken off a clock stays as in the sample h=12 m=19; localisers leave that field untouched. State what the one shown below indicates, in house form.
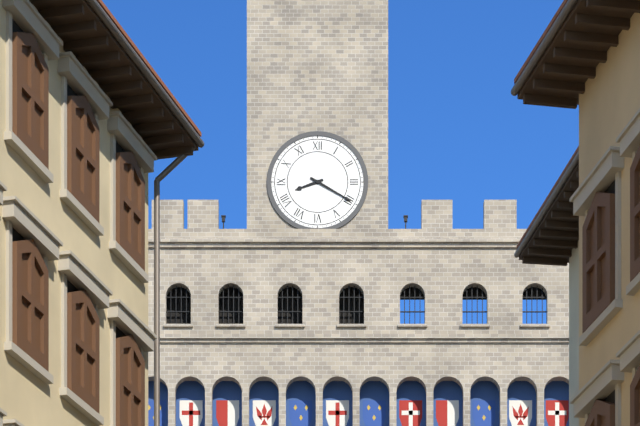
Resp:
h=8 m=20
